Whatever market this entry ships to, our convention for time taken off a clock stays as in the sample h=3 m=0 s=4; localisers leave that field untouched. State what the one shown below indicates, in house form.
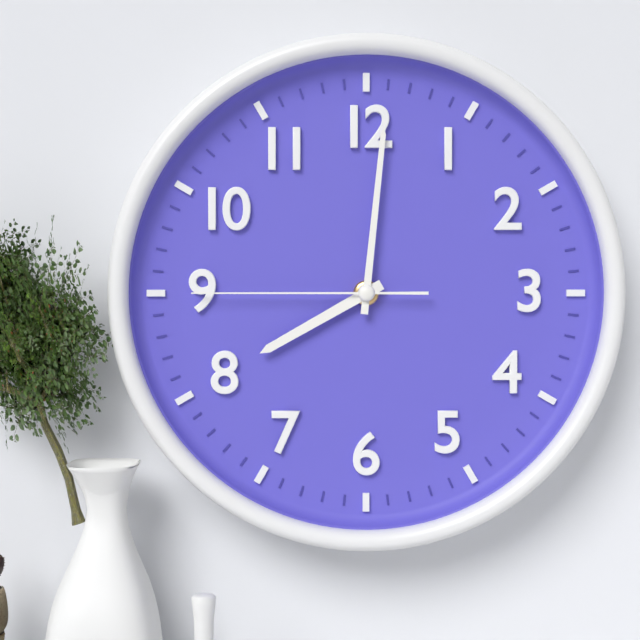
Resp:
h=8 m=1 s=45
